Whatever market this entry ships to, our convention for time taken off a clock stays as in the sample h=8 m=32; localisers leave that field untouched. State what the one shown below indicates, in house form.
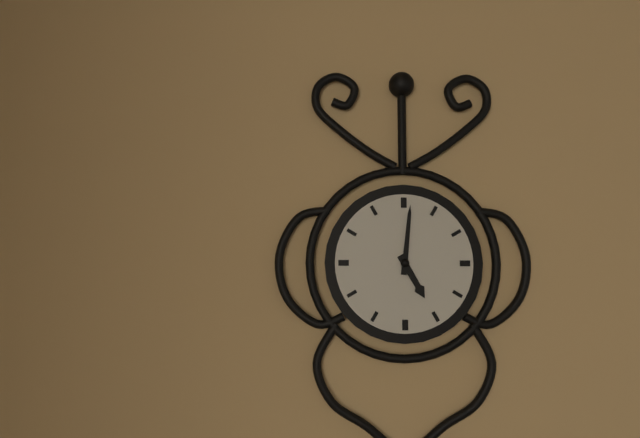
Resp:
h=5 m=1
